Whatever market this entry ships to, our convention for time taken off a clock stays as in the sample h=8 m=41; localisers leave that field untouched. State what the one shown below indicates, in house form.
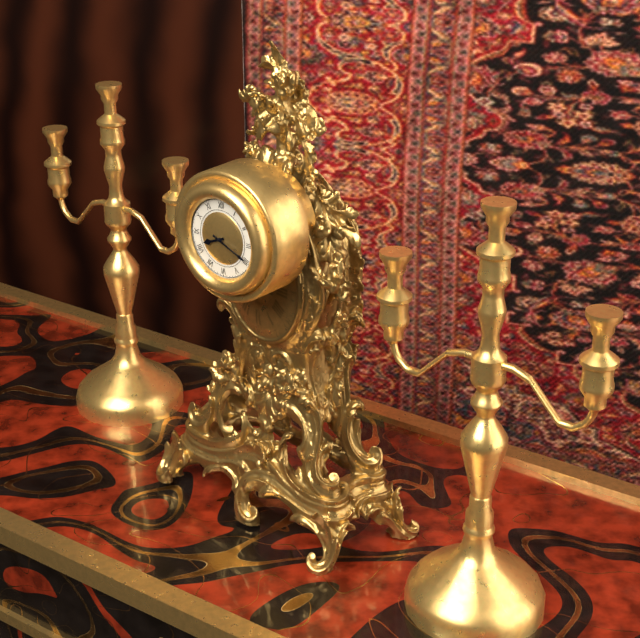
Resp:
h=8 m=19
